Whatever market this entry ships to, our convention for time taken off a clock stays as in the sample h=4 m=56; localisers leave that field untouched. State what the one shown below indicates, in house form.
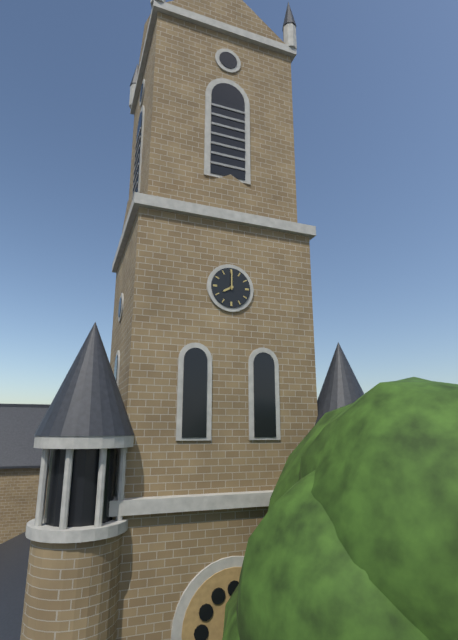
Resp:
h=8 m=0
